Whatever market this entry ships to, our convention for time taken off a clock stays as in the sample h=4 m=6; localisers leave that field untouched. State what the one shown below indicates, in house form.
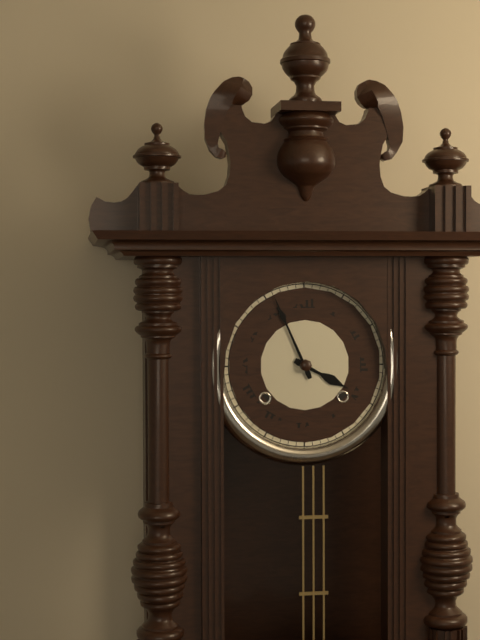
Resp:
h=3 m=56
